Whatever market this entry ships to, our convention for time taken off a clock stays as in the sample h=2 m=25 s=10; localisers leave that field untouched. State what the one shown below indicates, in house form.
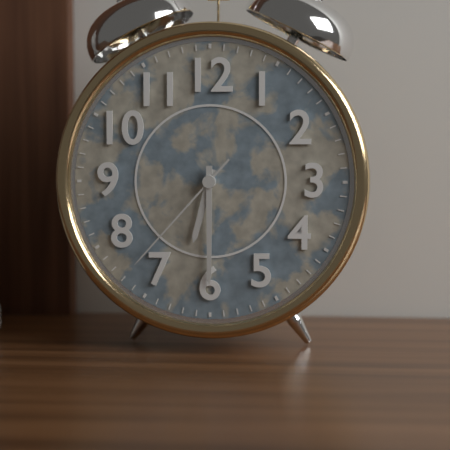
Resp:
h=6 m=30 s=37
